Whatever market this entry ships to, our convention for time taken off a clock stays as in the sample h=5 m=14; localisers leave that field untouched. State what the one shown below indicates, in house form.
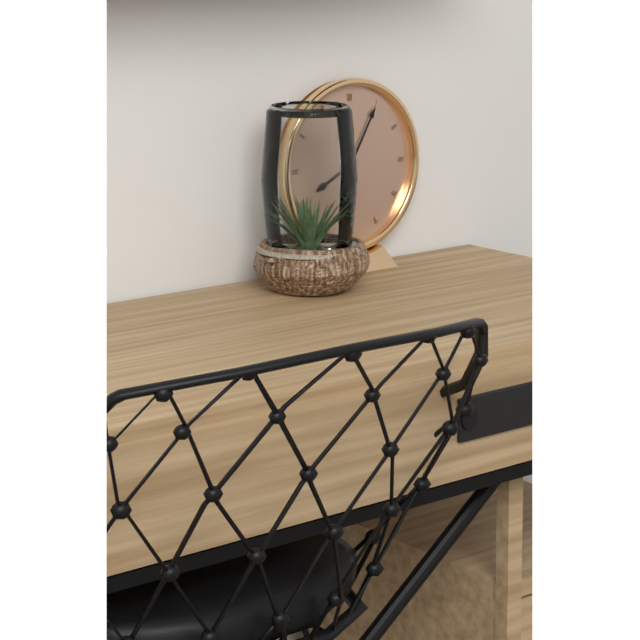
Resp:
h=8 m=5
